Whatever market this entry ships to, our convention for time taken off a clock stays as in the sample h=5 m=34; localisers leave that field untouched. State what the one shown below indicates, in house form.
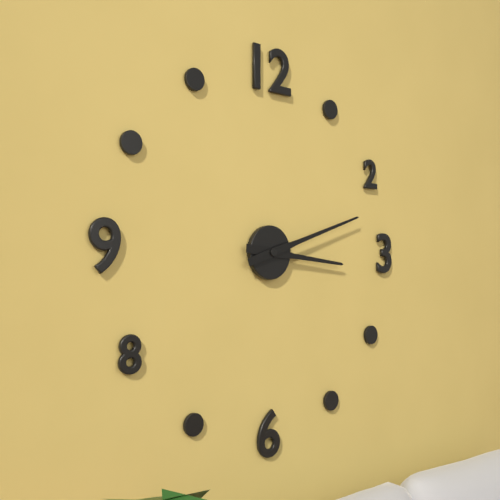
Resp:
h=3 m=12
